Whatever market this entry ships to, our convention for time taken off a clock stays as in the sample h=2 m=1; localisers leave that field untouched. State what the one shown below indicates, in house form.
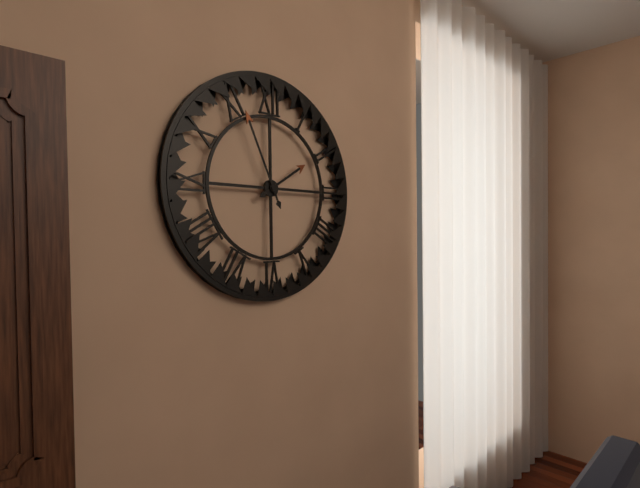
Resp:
h=1 m=56
